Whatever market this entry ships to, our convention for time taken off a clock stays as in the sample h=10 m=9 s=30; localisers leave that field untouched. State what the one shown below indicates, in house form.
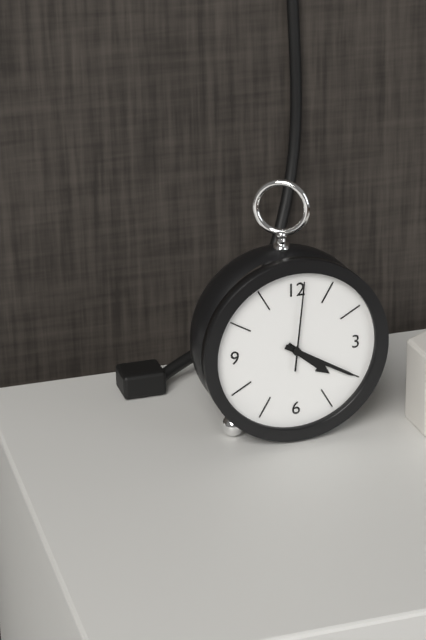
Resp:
h=4 m=20 s=1
